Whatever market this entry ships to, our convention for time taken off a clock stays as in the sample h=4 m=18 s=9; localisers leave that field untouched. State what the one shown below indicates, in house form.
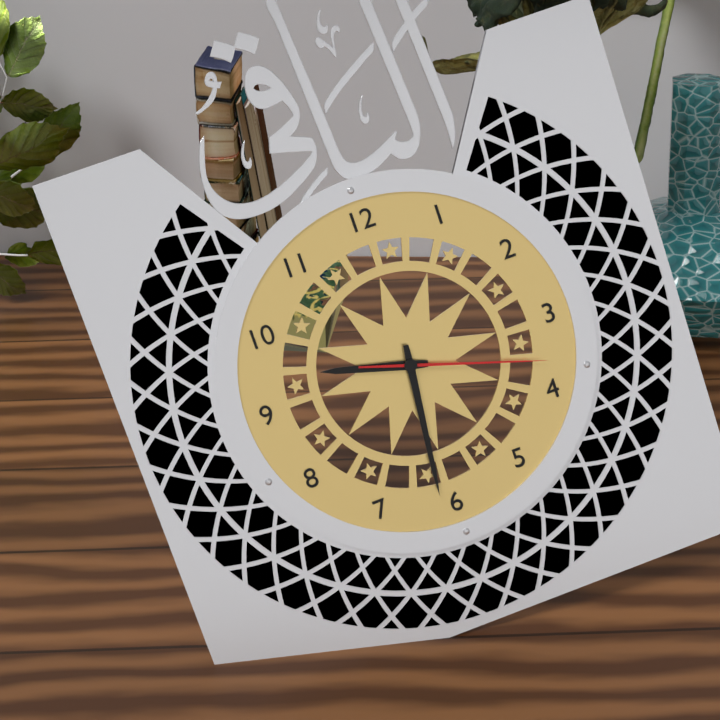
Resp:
h=9 m=31 s=18
